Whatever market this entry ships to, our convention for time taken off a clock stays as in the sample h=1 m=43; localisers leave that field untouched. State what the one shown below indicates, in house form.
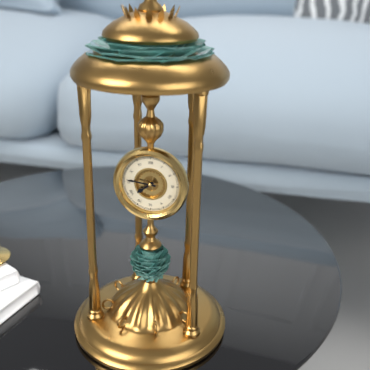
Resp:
h=7 m=46
